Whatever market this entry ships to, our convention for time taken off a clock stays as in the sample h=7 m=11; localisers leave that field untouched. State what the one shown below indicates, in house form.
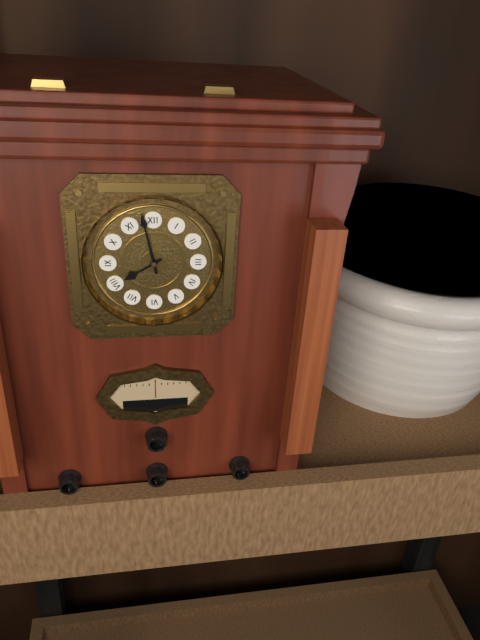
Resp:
h=7 m=58
